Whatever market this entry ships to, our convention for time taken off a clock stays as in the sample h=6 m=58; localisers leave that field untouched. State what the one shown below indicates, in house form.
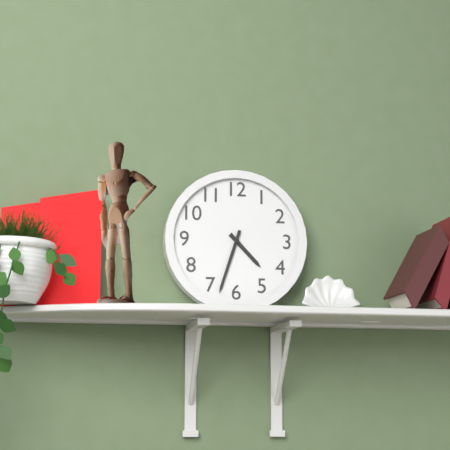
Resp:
h=4 m=33
